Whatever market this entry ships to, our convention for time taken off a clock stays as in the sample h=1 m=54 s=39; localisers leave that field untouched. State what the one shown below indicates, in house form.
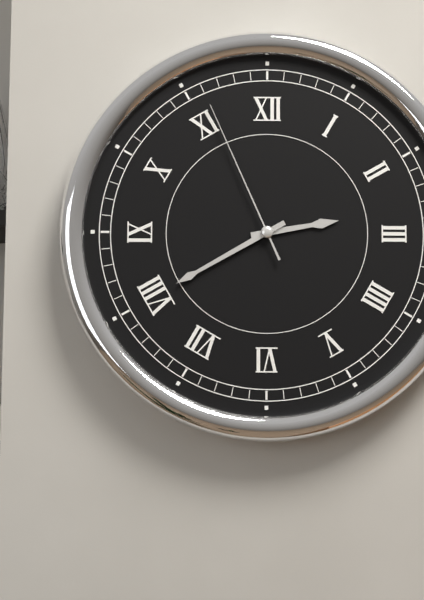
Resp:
h=2 m=40 s=56
